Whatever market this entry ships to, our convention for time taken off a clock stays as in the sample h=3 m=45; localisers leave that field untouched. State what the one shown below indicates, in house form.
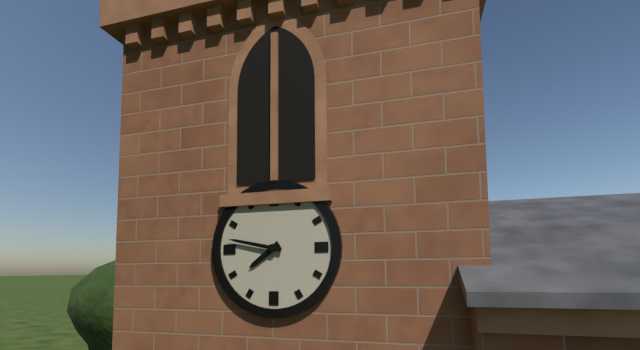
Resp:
h=7 m=47
